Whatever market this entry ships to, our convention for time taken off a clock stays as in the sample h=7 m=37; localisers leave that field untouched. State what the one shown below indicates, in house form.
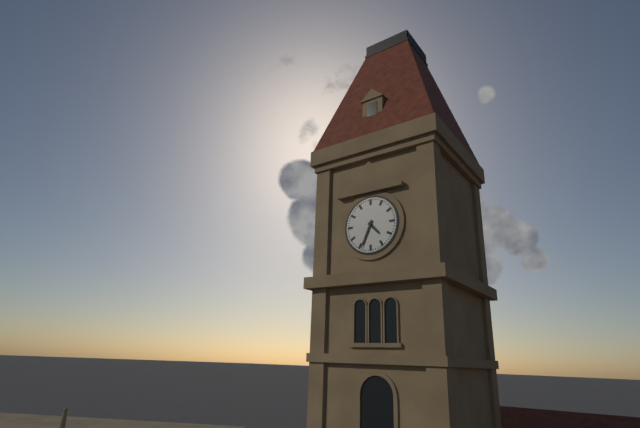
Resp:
h=4 m=34
